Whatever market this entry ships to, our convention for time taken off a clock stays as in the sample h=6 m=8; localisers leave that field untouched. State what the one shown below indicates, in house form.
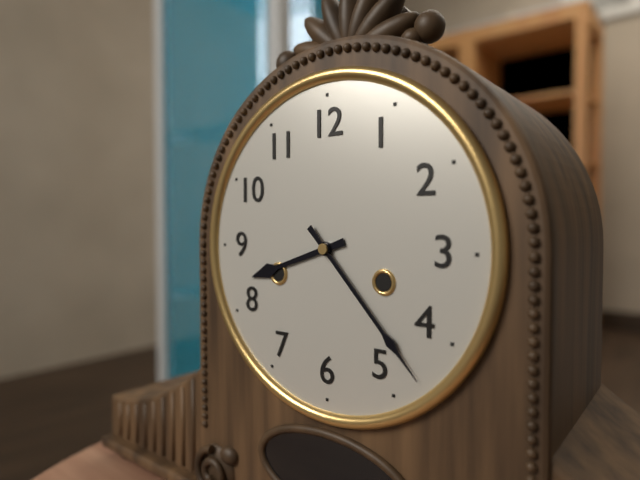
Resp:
h=8 m=23
